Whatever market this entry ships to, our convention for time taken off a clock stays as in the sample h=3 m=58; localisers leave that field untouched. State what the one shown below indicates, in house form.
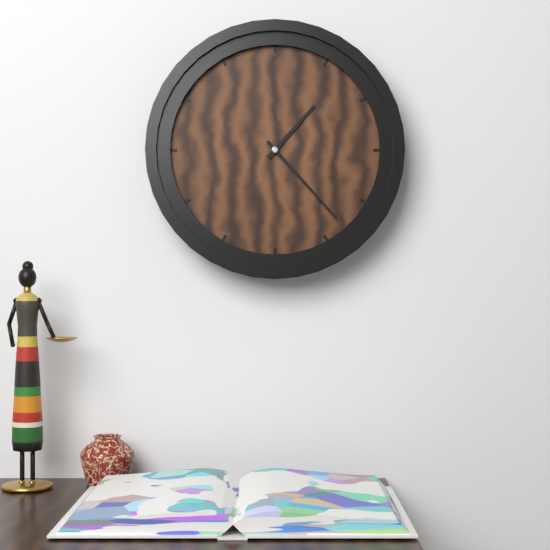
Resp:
h=1 m=23
